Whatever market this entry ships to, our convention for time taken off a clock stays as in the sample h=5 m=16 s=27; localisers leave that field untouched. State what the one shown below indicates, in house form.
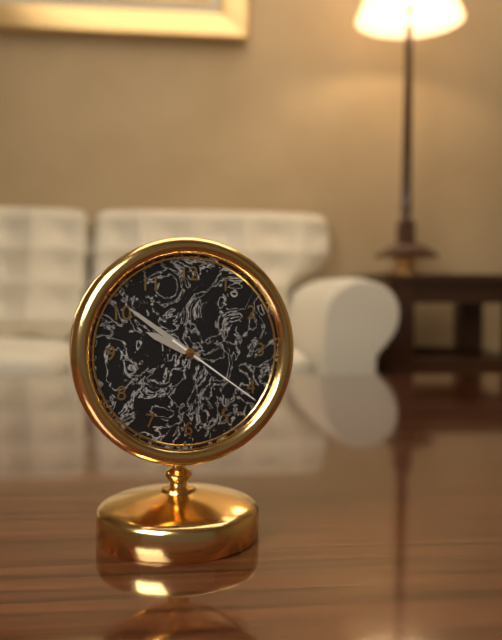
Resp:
h=9 m=51 s=21
